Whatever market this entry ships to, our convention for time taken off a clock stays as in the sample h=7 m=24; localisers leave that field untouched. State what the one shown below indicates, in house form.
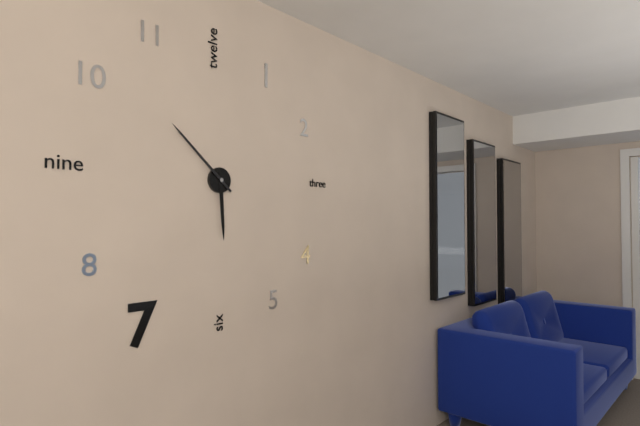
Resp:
h=5 m=52
